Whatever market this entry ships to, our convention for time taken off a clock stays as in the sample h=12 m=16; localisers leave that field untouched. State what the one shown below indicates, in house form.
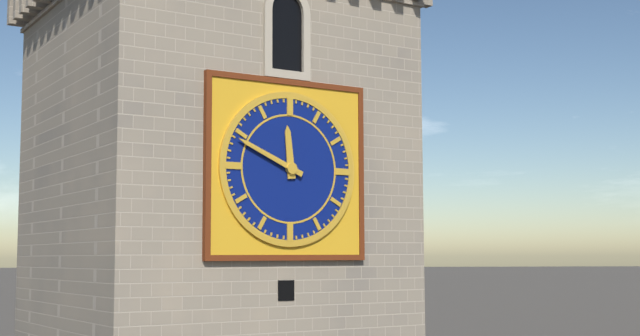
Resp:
h=11 m=49
